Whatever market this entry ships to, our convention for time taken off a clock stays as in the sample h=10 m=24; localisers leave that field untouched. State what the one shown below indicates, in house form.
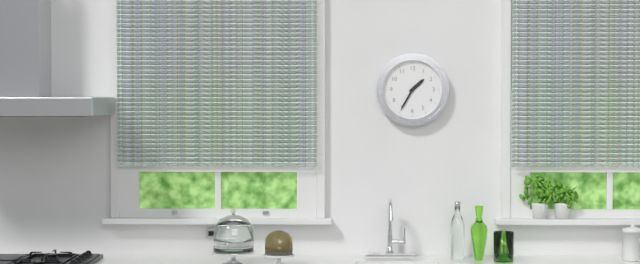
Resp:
h=1 m=35
